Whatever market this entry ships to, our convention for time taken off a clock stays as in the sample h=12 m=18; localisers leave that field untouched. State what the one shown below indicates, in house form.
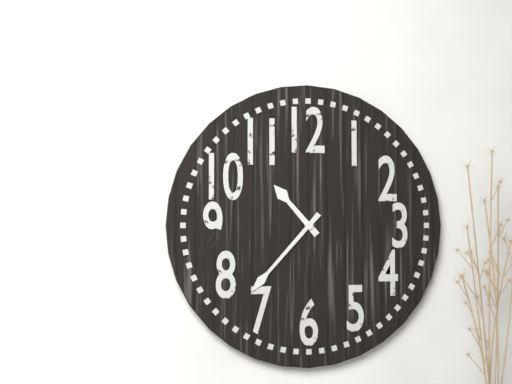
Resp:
h=10 m=37
